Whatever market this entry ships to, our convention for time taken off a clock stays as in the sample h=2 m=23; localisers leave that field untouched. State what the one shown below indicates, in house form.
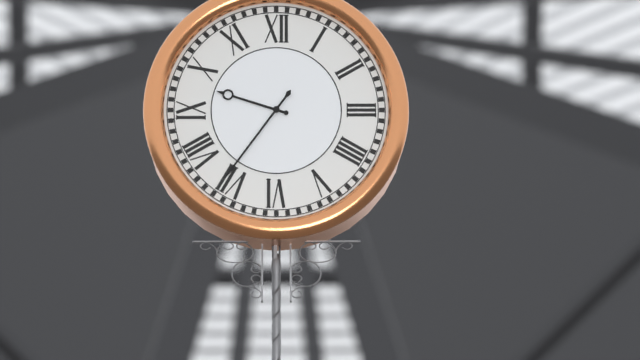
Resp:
h=9 m=36
